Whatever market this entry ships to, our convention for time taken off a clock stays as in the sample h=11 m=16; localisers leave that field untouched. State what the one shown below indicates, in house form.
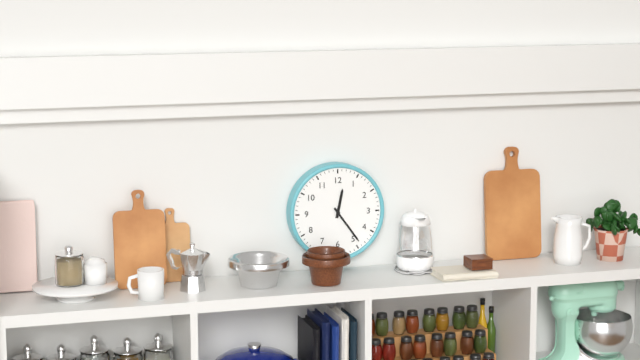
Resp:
h=12 m=24
